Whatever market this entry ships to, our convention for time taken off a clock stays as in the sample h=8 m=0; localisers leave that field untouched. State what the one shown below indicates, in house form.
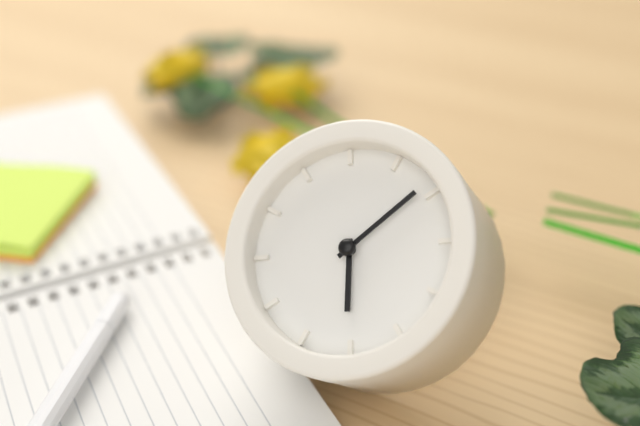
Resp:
h=5 m=4
